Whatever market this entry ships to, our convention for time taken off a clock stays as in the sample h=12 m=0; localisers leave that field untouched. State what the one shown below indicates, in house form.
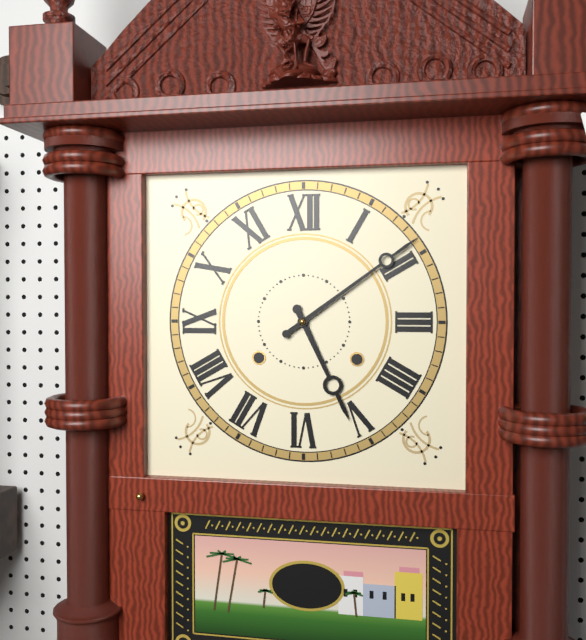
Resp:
h=5 m=9
